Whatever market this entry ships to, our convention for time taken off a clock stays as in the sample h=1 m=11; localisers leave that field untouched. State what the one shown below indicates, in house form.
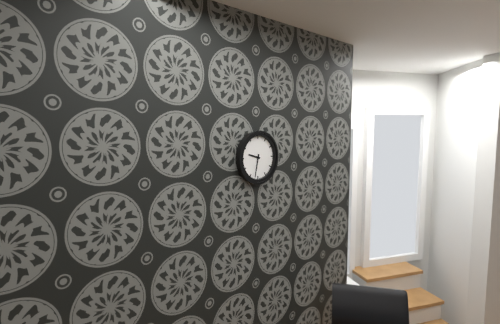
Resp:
h=9 m=32
